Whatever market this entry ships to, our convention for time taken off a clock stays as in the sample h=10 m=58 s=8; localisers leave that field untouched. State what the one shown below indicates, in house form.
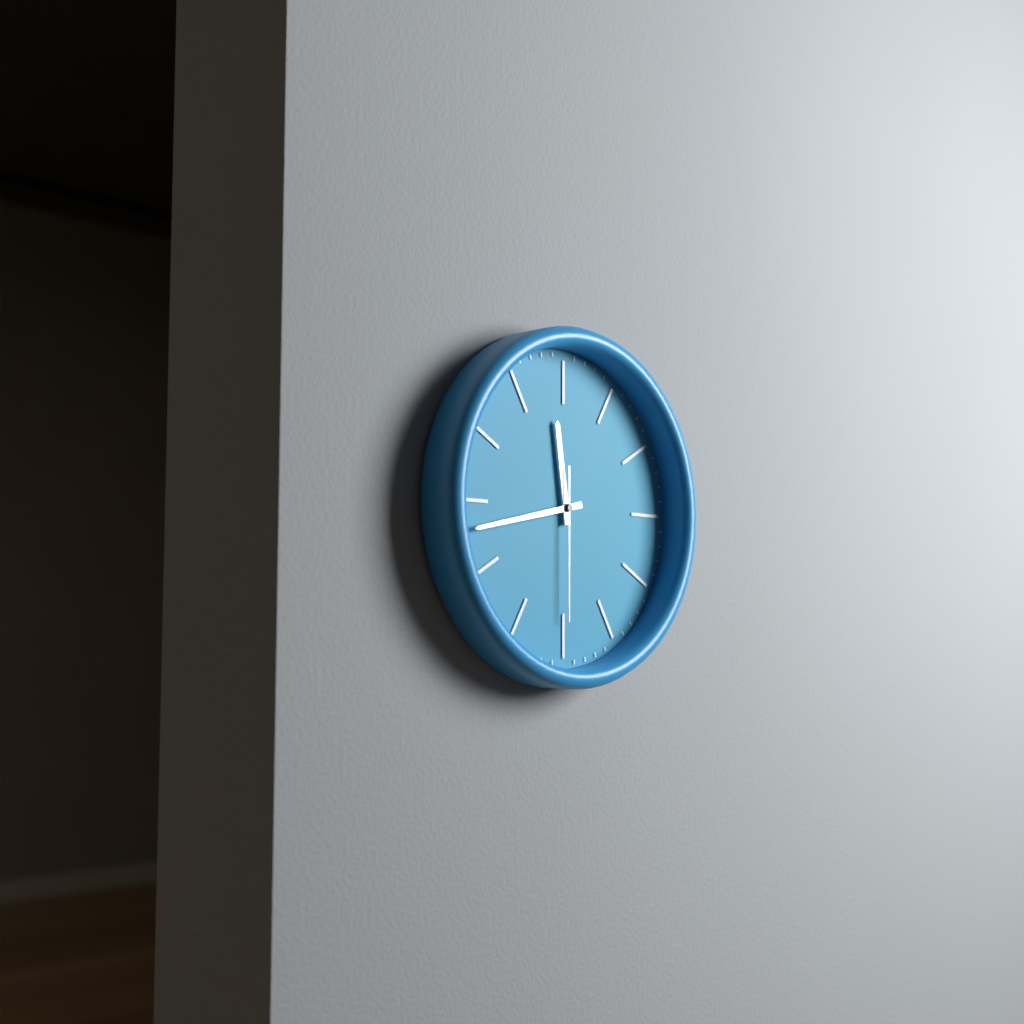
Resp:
h=11 m=43 s=30
